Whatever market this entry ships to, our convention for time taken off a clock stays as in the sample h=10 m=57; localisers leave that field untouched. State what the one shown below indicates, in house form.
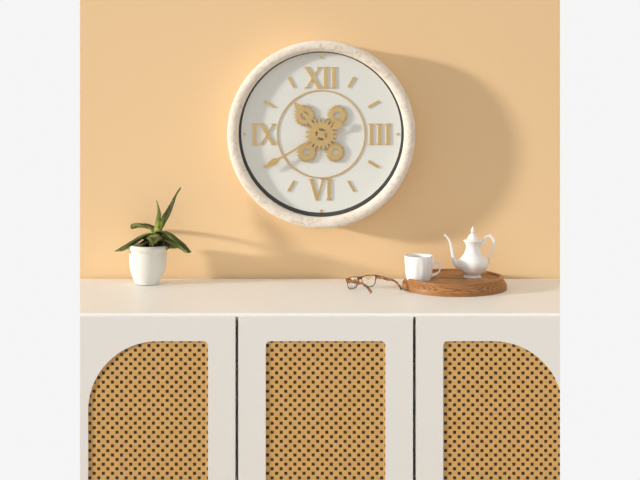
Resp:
h=10 m=40
